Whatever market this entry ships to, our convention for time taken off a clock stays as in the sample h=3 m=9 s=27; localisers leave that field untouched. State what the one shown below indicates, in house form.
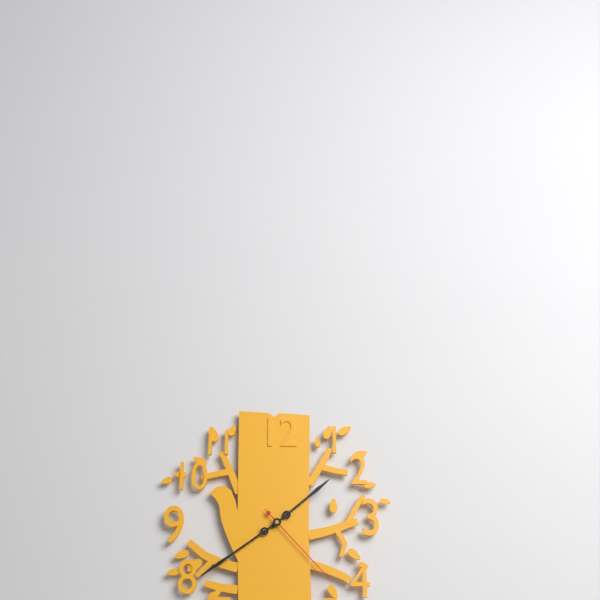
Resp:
h=1 m=39 s=23
